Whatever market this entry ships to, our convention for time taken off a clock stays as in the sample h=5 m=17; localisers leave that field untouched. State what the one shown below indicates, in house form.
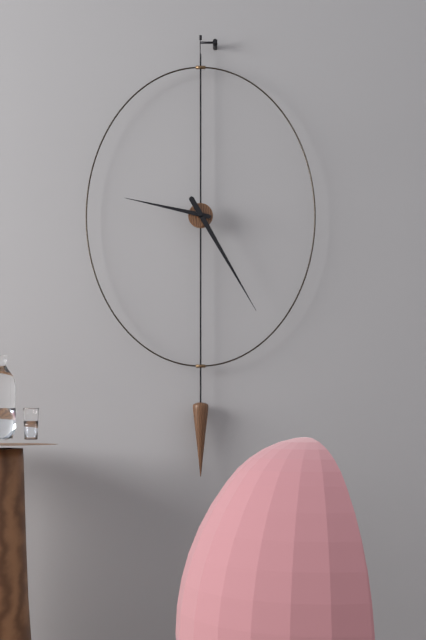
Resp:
h=9 m=25
